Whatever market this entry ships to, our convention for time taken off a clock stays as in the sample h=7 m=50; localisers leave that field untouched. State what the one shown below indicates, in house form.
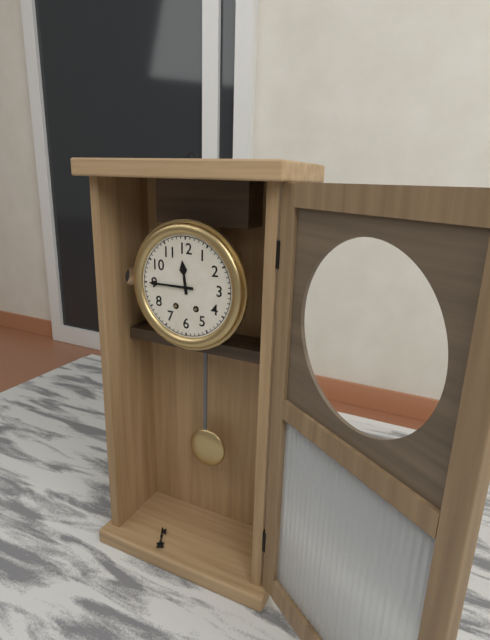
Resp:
h=11 m=45
